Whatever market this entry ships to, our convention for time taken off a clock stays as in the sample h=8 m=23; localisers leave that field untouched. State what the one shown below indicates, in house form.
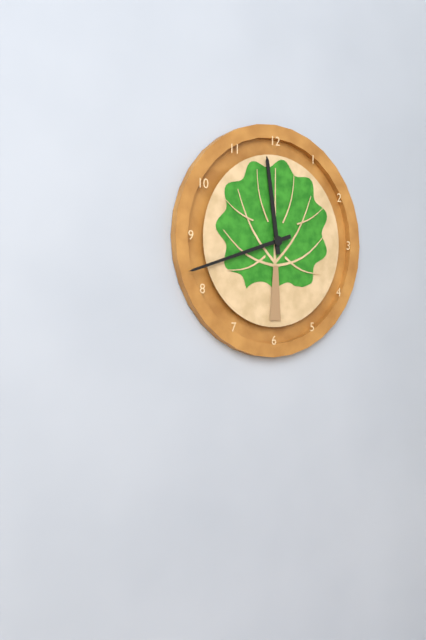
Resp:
h=11 m=42
